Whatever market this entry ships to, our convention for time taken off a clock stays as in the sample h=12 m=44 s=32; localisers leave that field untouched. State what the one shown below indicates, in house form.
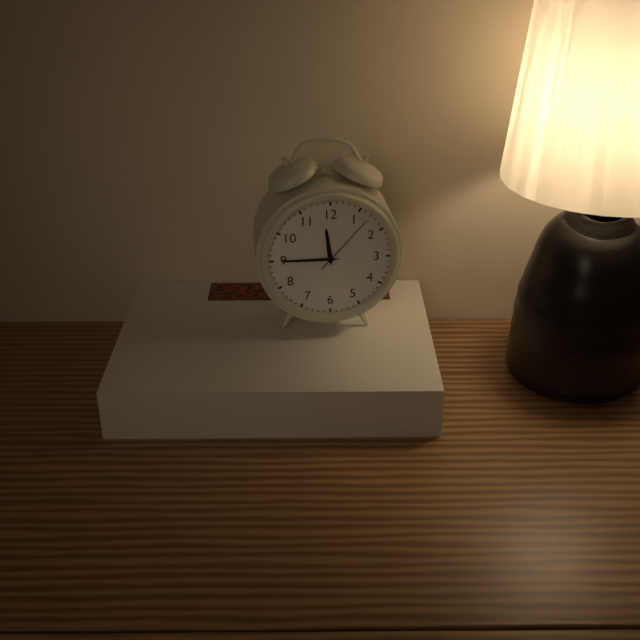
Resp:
h=11 m=45 s=7
